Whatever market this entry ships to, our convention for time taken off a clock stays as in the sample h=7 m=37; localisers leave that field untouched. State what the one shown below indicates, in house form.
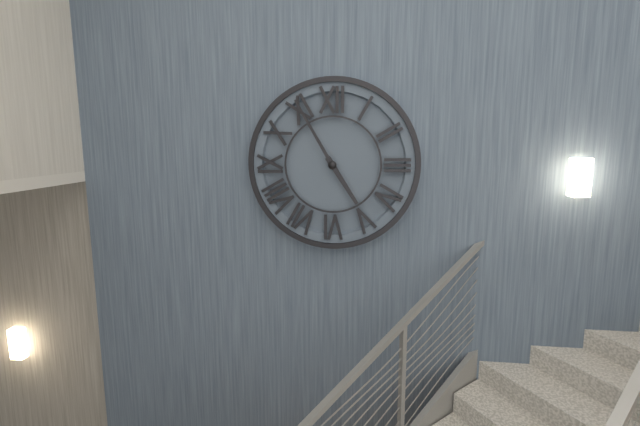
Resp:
h=4 m=55
